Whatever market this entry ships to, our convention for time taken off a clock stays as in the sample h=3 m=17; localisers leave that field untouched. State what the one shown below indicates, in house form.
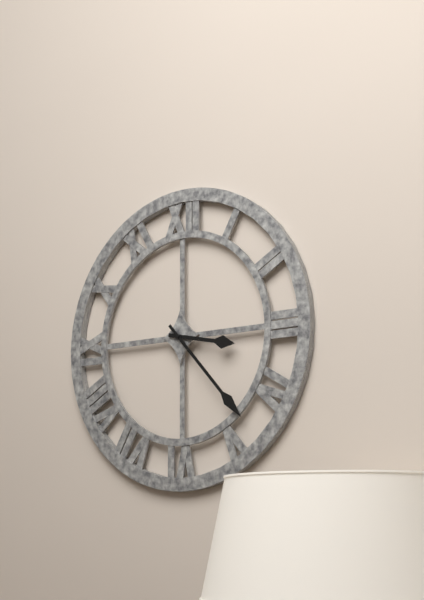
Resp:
h=3 m=23
